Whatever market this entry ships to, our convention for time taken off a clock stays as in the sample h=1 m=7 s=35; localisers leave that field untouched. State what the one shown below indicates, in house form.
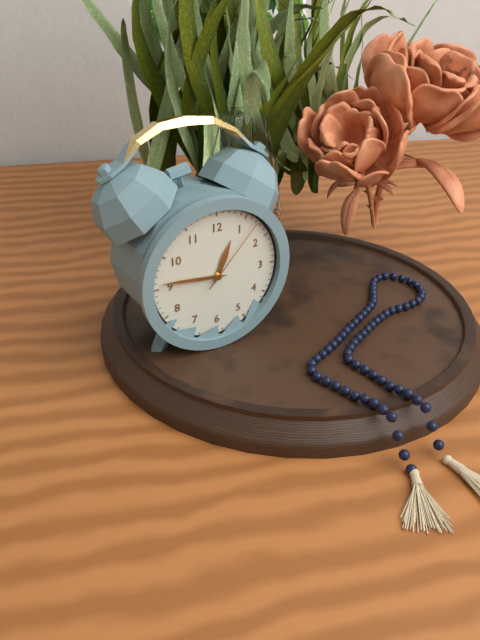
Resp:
h=12 m=46 s=7
